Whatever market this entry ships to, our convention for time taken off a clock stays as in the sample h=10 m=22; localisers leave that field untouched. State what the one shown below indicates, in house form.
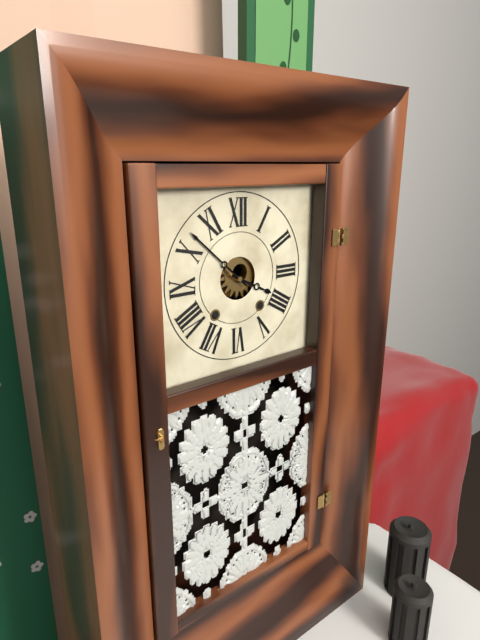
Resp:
h=3 m=52
